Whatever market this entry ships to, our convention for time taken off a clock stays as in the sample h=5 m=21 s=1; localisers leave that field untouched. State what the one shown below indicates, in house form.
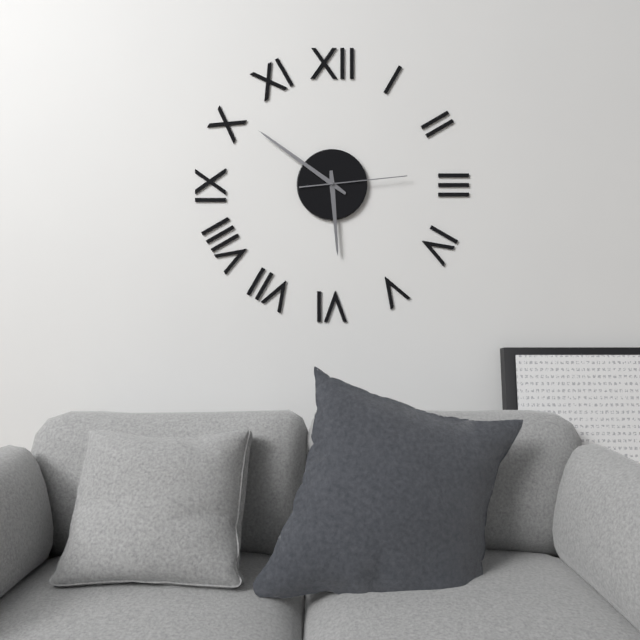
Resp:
h=5 m=51 s=14
